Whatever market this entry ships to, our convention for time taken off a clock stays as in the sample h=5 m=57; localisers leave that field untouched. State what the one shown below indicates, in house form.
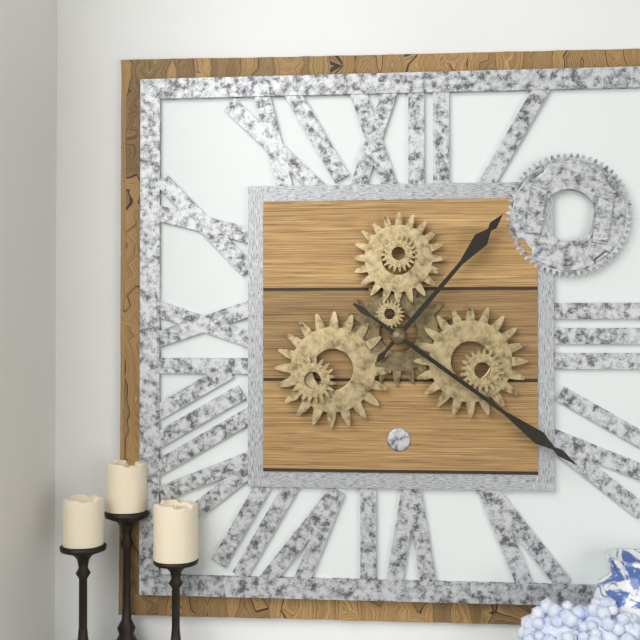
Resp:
h=1 m=21
